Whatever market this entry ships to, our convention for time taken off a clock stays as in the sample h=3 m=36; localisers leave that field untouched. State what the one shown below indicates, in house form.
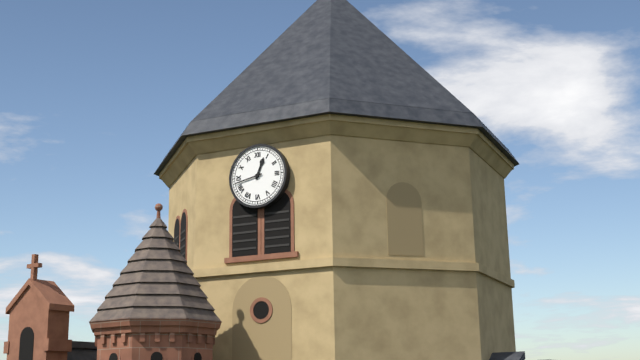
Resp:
h=12 m=43
